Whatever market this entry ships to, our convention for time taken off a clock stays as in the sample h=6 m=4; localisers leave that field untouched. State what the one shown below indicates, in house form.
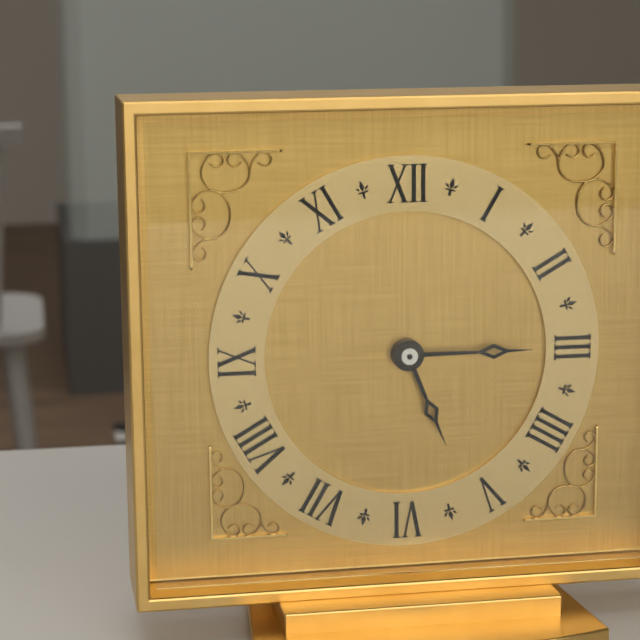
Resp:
h=5 m=15
